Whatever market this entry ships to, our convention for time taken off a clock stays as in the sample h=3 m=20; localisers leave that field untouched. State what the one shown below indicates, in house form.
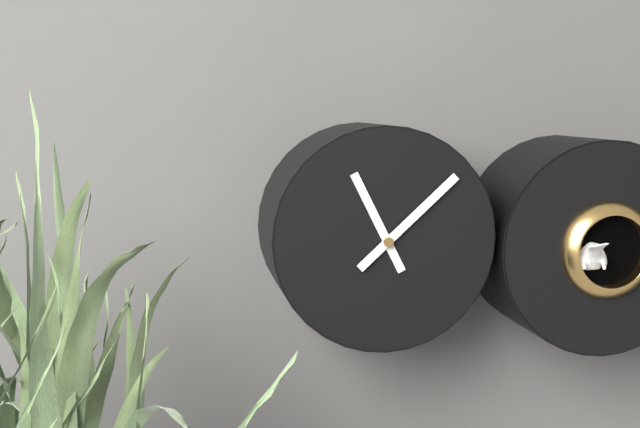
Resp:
h=11 m=8
